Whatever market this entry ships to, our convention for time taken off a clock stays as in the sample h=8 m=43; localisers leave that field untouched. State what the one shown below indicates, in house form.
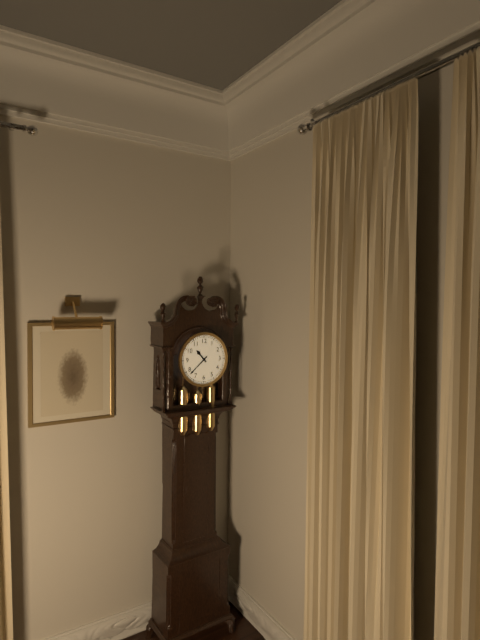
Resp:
h=10 m=38
